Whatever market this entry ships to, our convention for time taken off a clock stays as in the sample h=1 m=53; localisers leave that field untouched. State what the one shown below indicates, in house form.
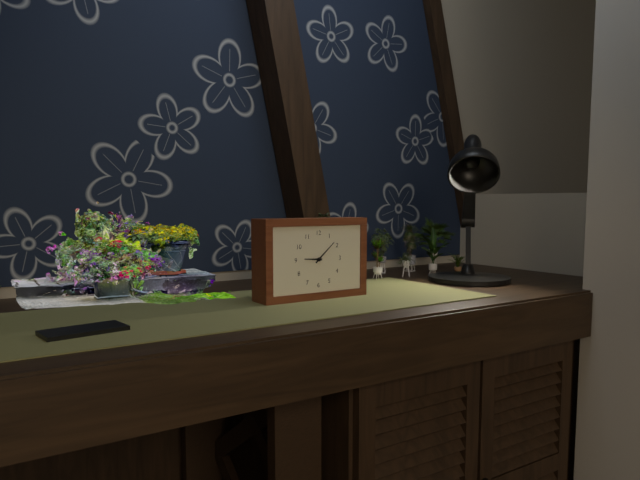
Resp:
h=9 m=8
